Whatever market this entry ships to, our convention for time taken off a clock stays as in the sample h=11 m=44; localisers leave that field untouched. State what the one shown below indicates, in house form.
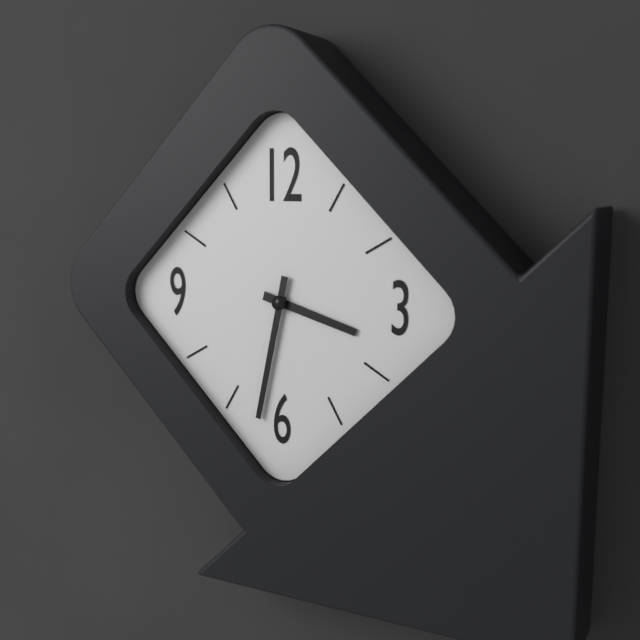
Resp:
h=3 m=32
